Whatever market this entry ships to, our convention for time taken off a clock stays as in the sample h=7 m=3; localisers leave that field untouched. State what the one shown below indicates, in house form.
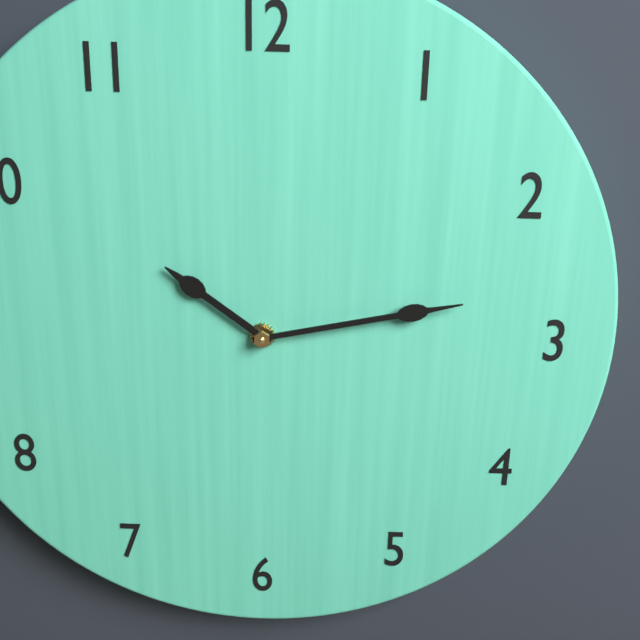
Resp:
h=10 m=13
